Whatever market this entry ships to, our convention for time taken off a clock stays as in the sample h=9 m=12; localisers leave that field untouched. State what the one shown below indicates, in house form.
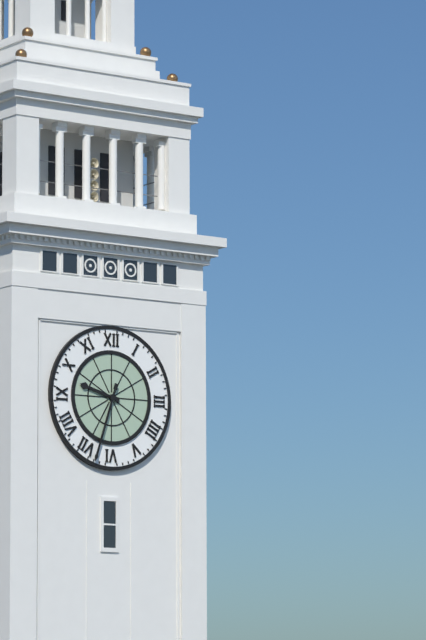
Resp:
h=9 m=33
